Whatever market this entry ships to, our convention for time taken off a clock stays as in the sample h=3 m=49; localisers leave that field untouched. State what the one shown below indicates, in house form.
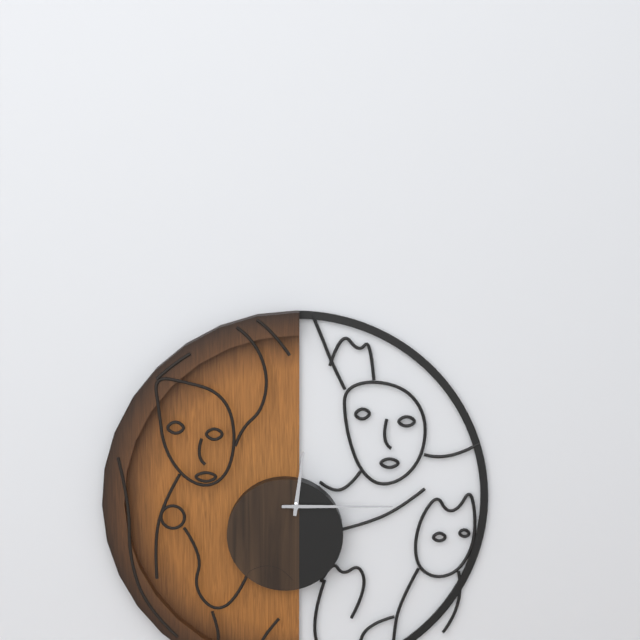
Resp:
h=12 m=15
